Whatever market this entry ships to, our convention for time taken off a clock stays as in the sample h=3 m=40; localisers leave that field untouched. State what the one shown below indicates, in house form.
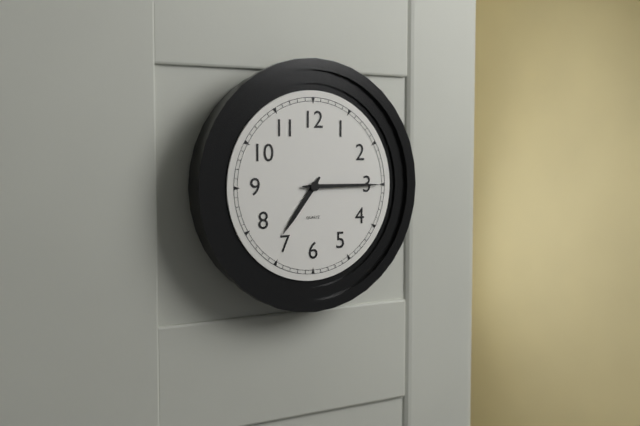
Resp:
h=7 m=15
